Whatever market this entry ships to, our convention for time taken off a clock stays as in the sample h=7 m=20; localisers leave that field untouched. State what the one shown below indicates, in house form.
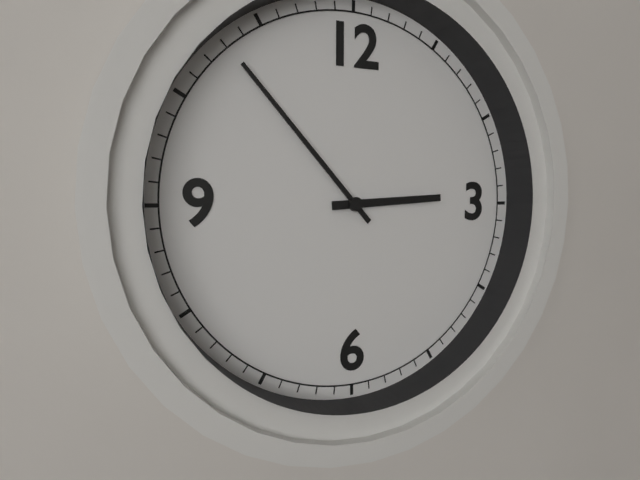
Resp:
h=2 m=53
